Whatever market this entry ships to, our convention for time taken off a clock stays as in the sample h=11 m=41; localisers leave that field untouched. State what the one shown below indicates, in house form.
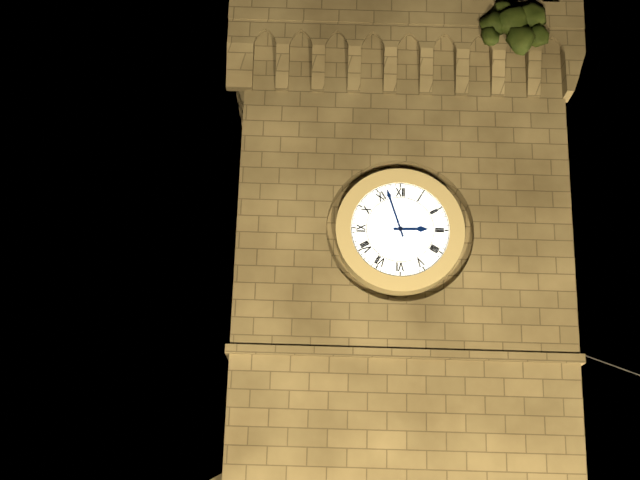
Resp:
h=2 m=57
